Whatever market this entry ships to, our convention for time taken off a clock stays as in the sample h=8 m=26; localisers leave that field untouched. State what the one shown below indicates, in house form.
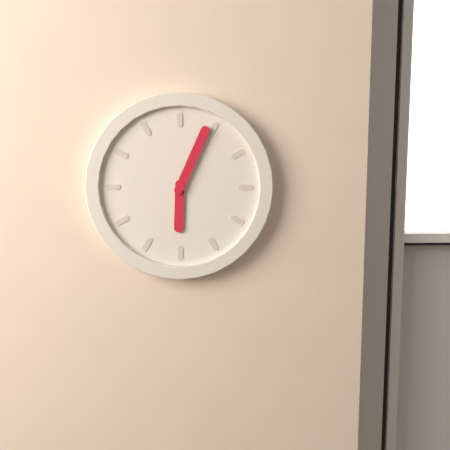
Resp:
h=6 m=4
